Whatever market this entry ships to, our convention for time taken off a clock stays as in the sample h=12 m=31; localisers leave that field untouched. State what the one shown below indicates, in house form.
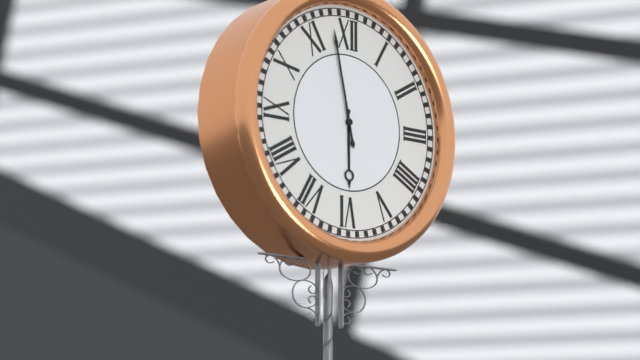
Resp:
h=5 m=58
